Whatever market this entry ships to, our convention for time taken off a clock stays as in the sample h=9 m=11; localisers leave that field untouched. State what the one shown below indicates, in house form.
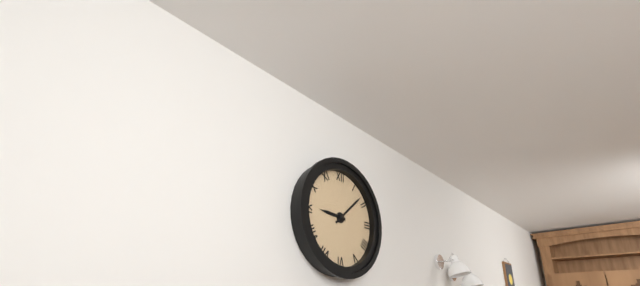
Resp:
h=9 m=8
